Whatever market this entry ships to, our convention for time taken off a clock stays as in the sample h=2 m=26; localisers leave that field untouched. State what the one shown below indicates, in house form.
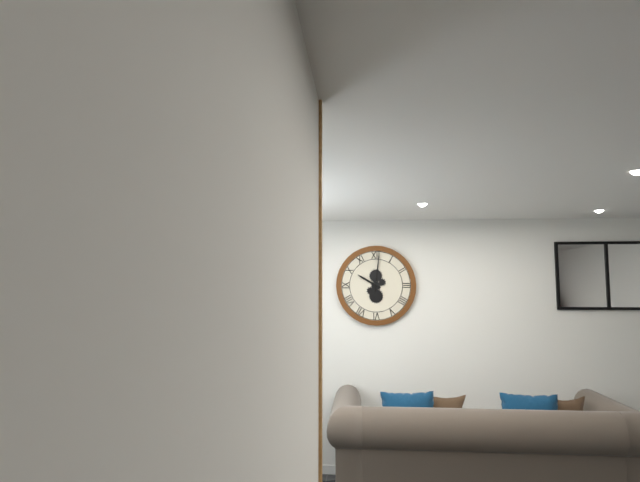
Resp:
h=10 m=1
